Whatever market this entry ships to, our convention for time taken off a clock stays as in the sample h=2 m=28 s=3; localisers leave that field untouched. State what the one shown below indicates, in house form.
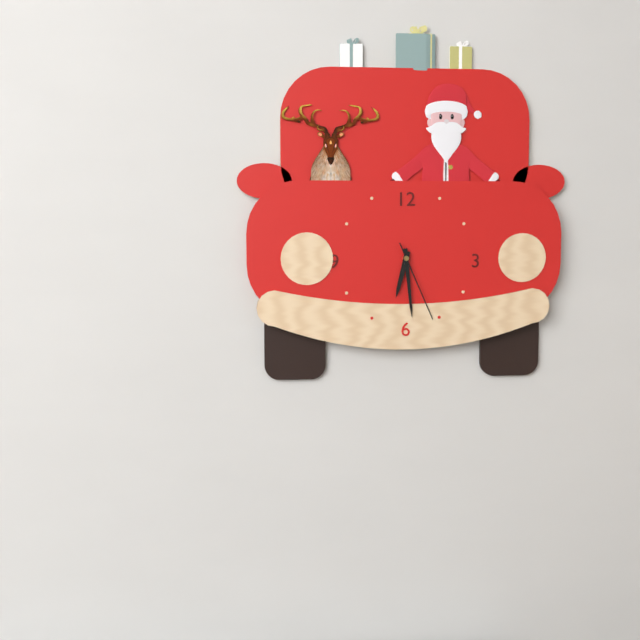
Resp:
h=6 m=29 s=26
